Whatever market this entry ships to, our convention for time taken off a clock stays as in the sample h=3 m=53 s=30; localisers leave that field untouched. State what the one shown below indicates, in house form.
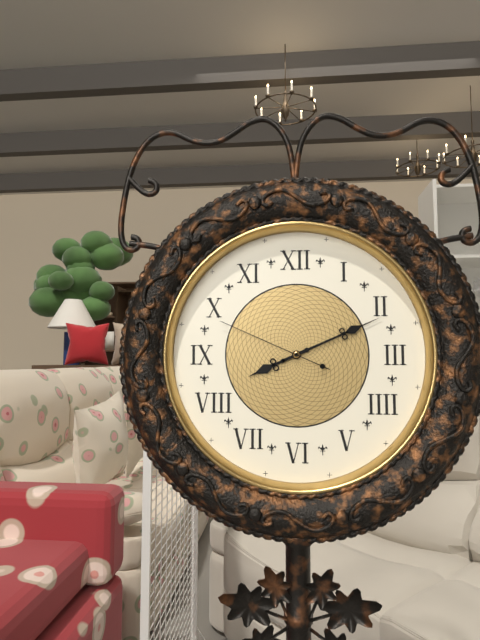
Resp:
h=8 m=11 s=49
